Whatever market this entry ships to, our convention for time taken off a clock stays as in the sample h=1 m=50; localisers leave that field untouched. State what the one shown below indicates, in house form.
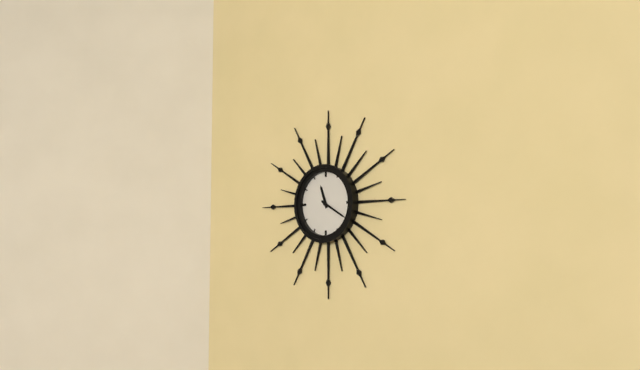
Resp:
h=11 m=20
